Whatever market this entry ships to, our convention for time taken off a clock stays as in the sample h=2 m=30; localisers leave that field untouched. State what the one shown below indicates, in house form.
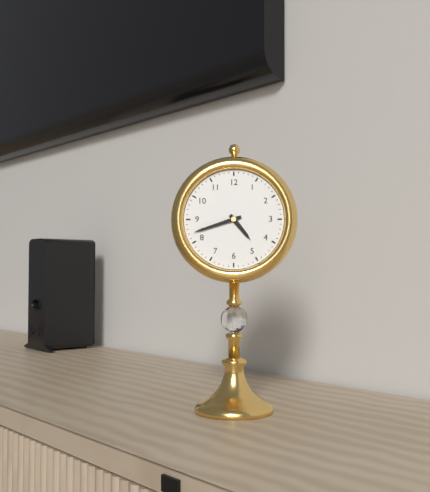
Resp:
h=4 m=42
